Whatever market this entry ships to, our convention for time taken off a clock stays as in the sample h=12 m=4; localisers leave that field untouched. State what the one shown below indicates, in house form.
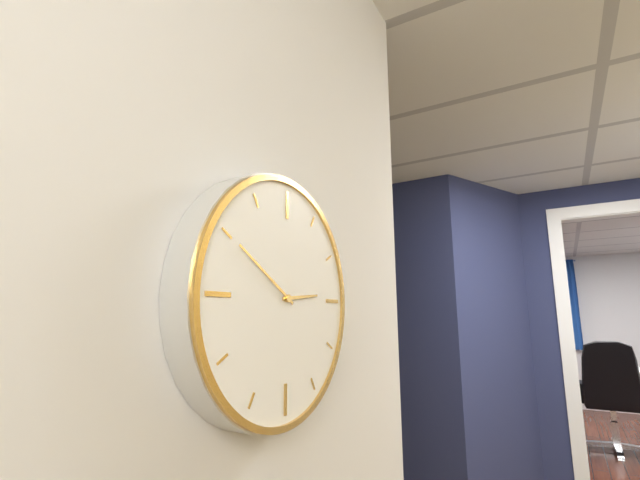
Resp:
h=2 m=50
